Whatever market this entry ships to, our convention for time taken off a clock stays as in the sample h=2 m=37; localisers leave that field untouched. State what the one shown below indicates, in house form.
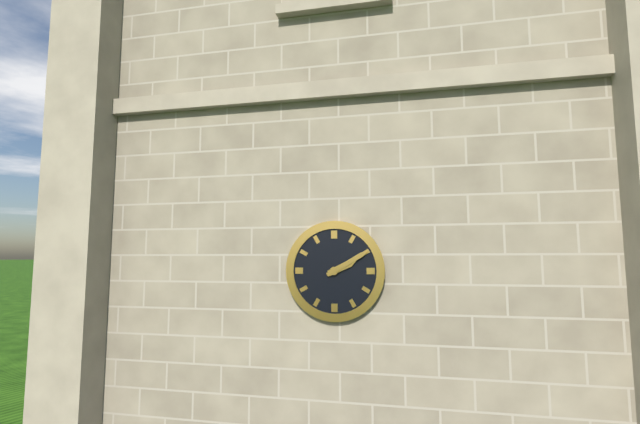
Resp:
h=2 m=10
